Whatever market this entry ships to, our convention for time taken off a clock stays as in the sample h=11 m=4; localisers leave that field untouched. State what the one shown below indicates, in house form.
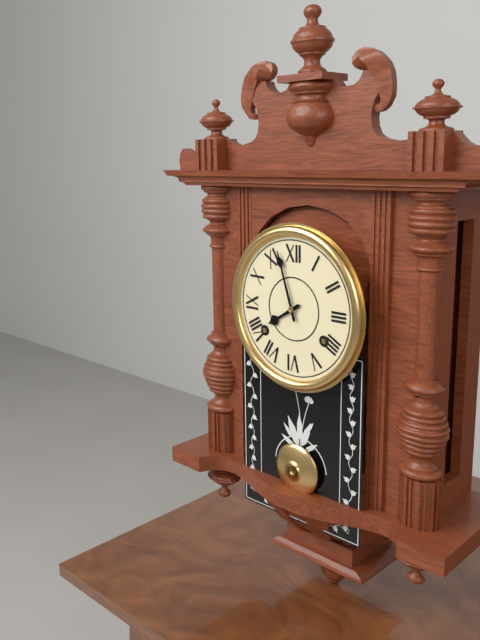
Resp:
h=7 m=57
